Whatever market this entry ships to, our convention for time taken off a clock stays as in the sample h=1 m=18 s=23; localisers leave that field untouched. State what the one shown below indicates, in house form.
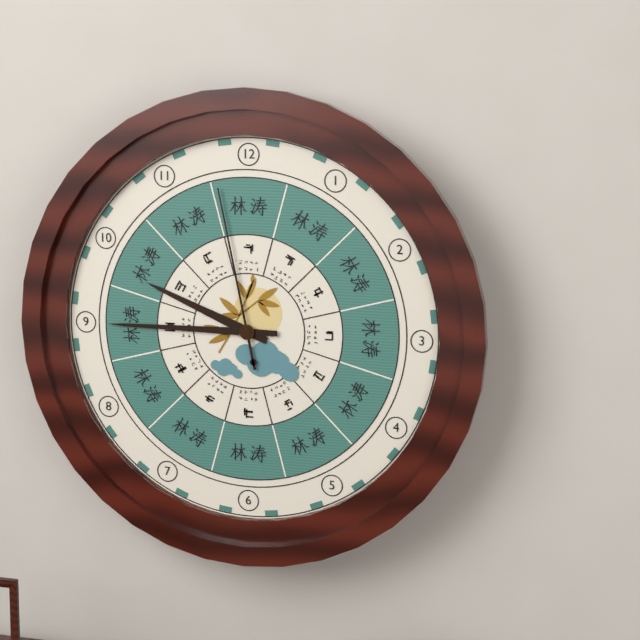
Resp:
h=9 m=45 s=58
